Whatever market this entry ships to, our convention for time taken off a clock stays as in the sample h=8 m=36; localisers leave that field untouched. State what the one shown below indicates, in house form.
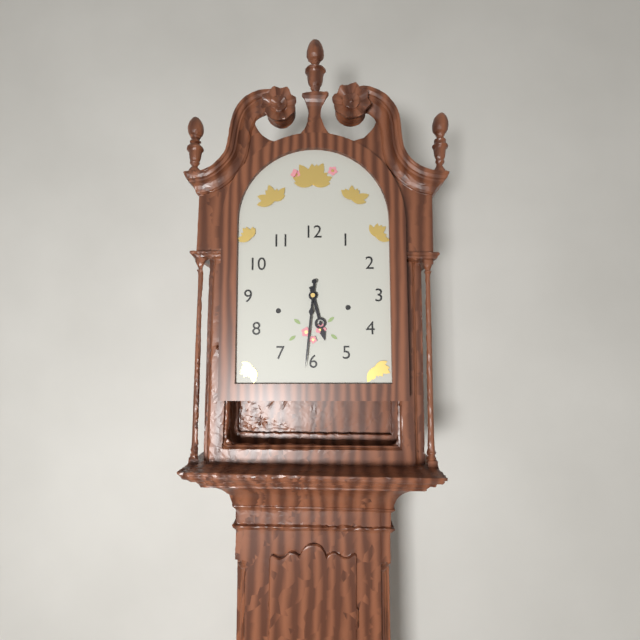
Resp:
h=5 m=31
